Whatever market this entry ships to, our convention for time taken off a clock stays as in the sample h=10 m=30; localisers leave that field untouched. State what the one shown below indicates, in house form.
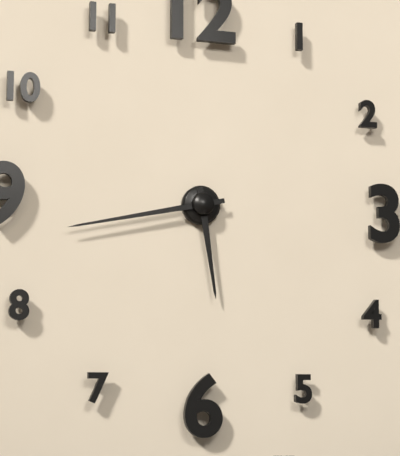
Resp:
h=5 m=43
